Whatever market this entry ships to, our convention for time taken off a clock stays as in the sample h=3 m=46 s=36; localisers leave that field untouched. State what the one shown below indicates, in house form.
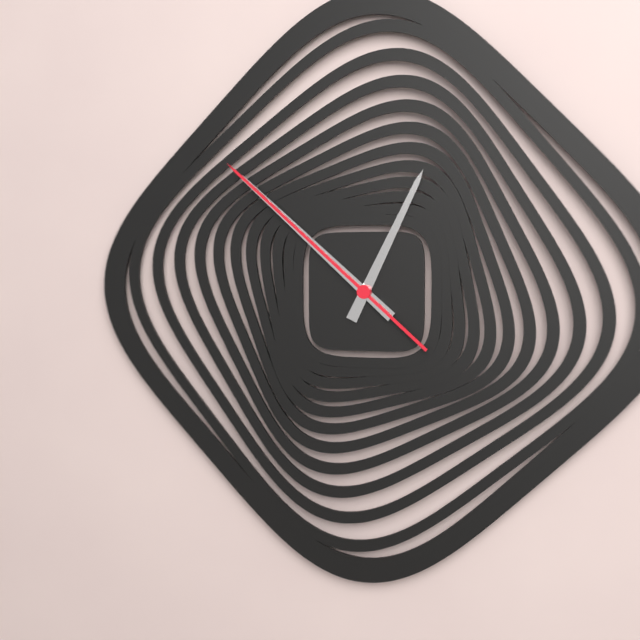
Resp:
h=12 m=52 s=52
